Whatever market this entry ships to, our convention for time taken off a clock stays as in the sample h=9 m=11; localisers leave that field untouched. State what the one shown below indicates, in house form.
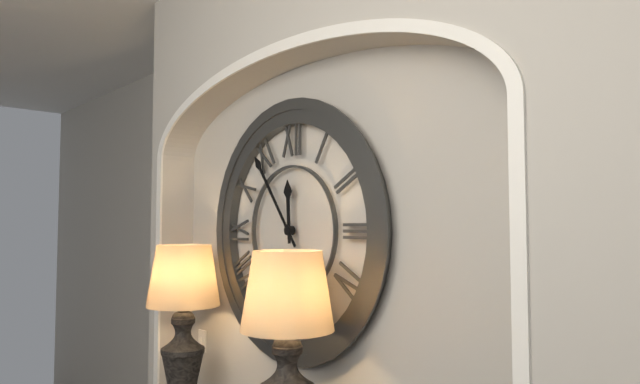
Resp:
h=11 m=54
